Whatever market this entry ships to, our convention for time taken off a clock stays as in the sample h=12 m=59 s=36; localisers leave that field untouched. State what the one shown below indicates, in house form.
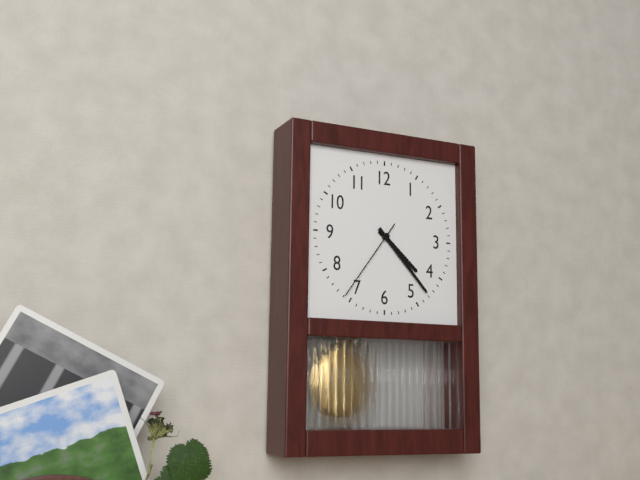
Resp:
h=4 m=23 s=36
